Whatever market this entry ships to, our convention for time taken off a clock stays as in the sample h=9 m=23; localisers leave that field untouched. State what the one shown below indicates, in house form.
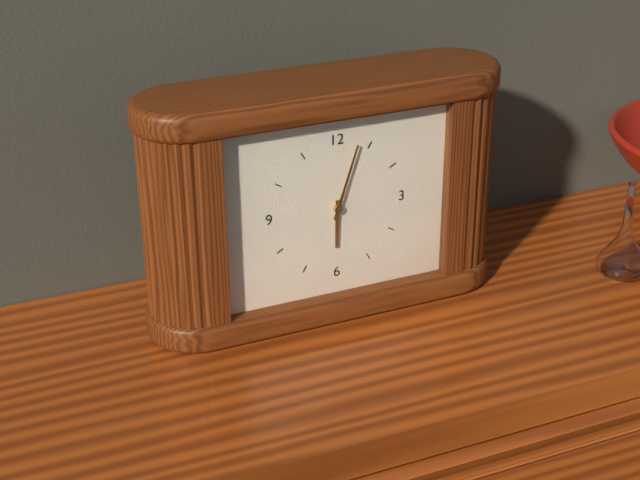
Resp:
h=6 m=3
